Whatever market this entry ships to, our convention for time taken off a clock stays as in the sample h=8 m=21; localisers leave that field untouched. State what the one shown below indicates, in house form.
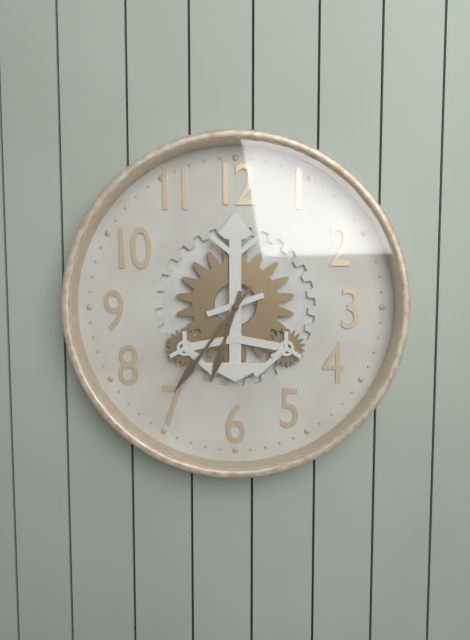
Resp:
h=6 m=36
